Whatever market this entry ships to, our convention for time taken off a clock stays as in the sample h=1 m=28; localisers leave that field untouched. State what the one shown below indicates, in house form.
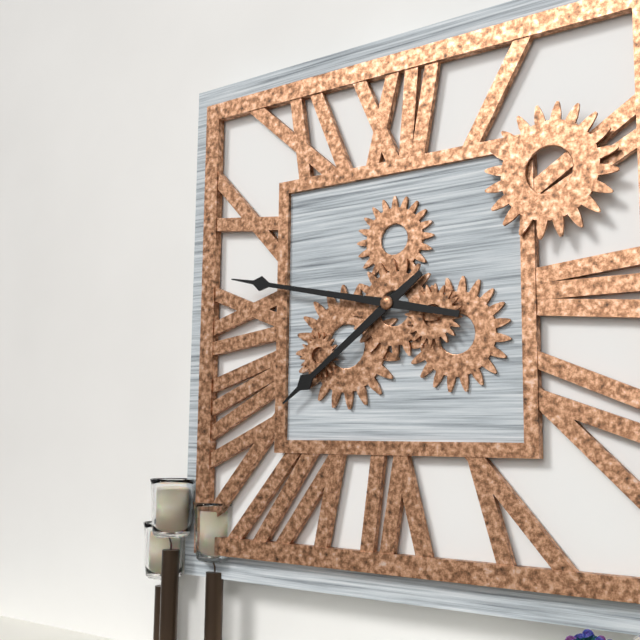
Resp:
h=7 m=47
